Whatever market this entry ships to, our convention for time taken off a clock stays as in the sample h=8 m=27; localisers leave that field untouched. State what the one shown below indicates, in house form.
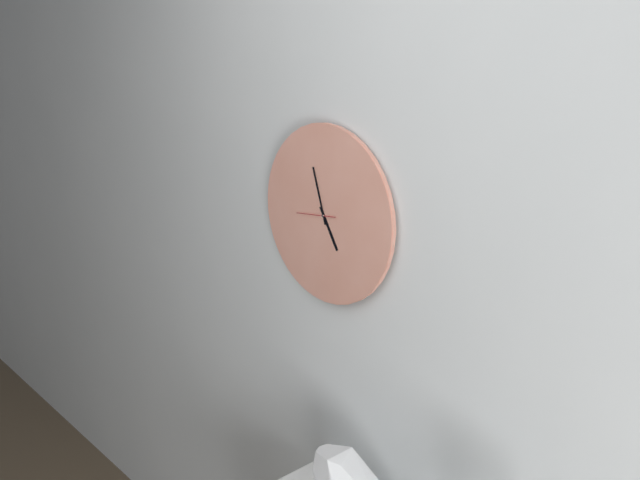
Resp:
h=4 m=57
